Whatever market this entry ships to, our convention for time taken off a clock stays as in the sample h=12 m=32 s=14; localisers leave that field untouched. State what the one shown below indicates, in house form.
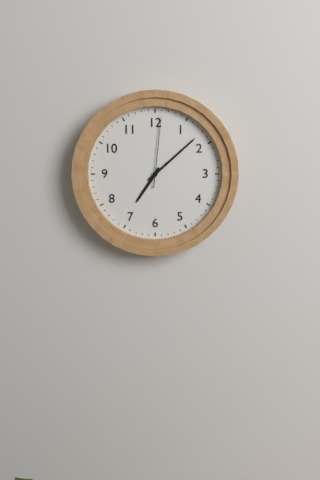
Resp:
h=7 m=8 s=1
